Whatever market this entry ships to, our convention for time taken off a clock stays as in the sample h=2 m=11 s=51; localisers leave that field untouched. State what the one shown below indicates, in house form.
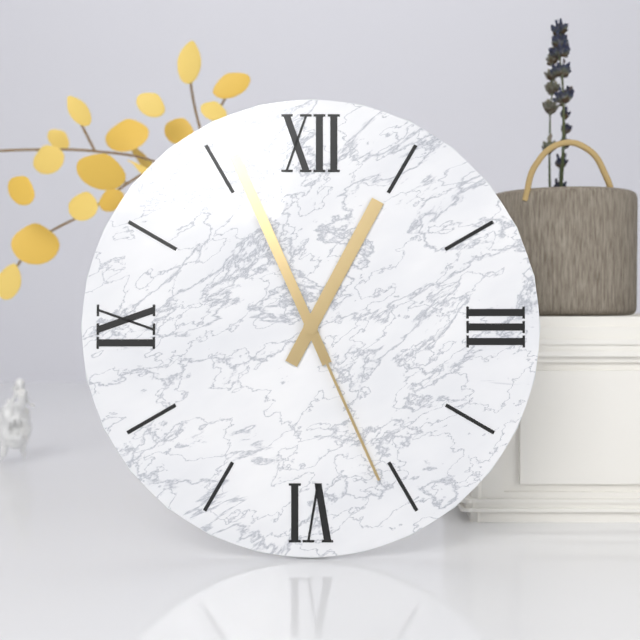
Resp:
h=12 m=56 s=26
